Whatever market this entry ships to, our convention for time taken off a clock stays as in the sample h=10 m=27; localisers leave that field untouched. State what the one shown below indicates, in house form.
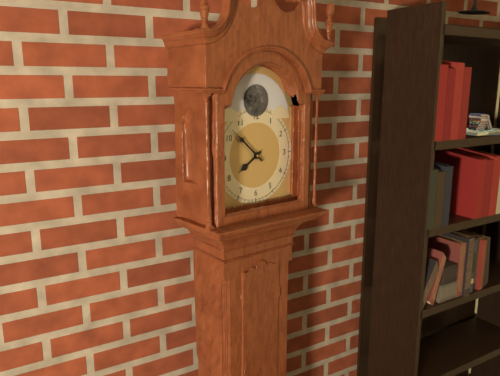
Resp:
h=7 m=52
